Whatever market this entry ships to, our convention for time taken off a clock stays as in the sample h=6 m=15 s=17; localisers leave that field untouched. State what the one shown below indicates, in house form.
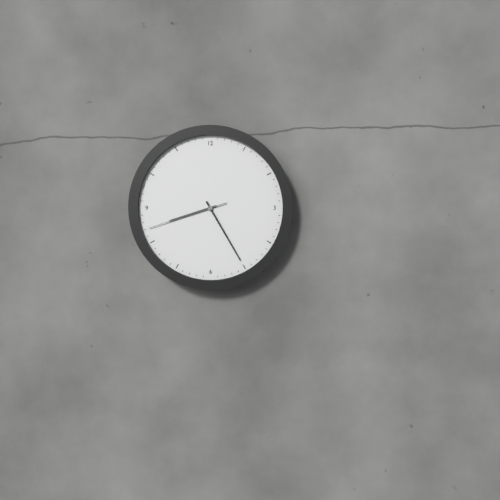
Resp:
h=8 m=25 s=42
